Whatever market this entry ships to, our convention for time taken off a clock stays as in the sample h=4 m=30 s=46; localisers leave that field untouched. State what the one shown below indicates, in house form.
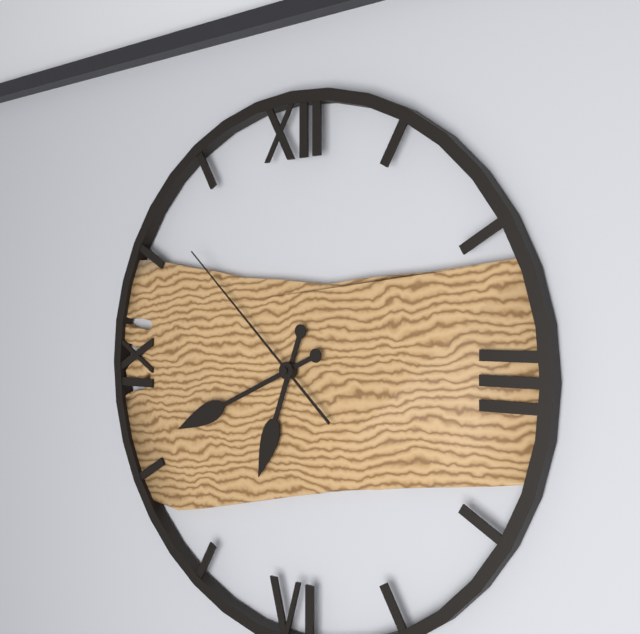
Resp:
h=6 m=41 s=52
